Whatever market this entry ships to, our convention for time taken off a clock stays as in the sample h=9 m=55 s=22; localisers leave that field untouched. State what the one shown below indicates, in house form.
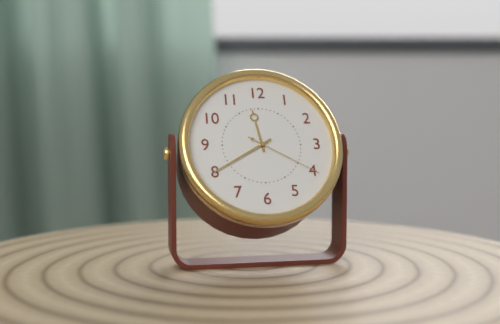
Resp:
h=11 m=40 s=20
